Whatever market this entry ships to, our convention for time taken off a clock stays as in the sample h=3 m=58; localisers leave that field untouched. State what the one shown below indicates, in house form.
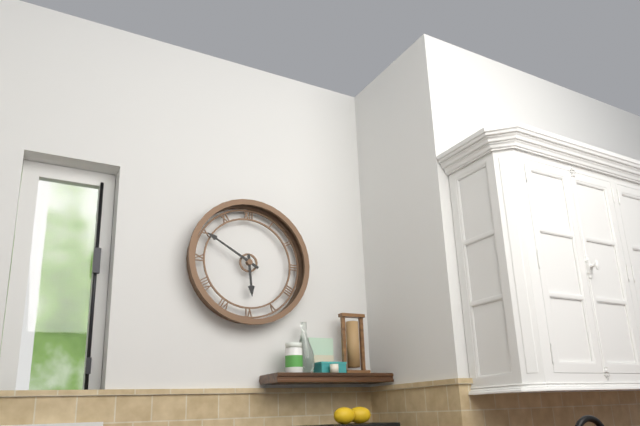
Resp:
h=5 m=50
